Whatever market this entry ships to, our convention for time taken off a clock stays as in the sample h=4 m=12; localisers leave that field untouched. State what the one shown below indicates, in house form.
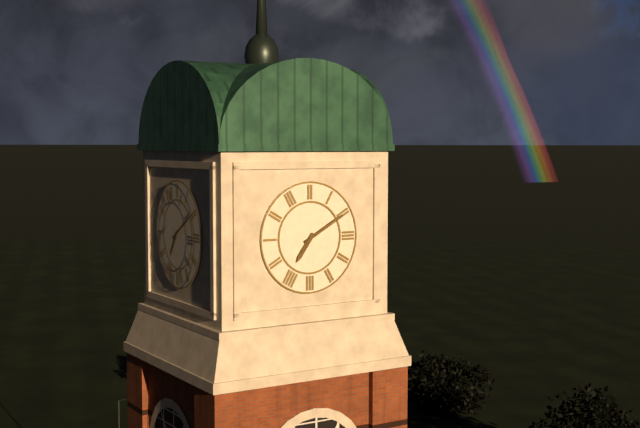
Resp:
h=7 m=10
